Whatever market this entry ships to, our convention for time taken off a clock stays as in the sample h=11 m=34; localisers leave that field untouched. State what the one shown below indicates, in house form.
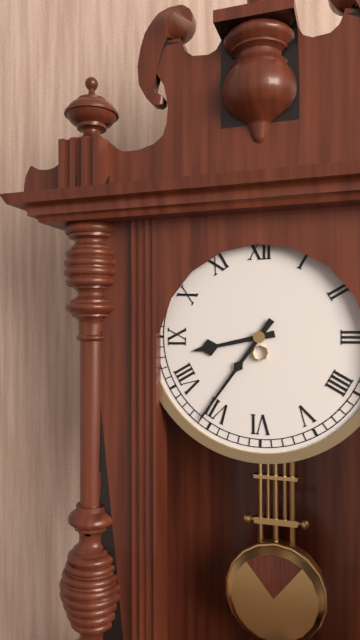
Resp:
h=8 m=36
